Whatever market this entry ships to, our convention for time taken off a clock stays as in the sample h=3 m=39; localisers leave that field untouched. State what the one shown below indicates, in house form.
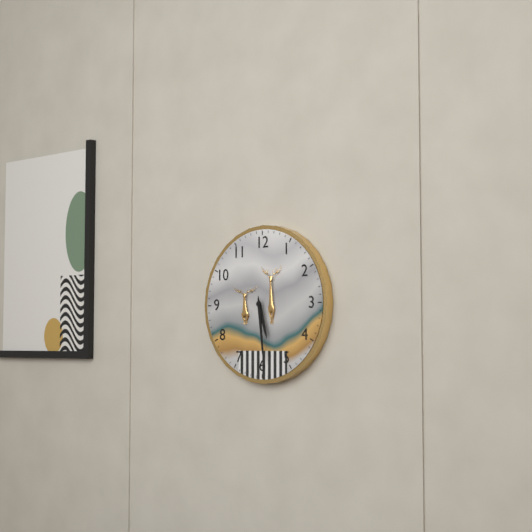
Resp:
h=5 m=29
